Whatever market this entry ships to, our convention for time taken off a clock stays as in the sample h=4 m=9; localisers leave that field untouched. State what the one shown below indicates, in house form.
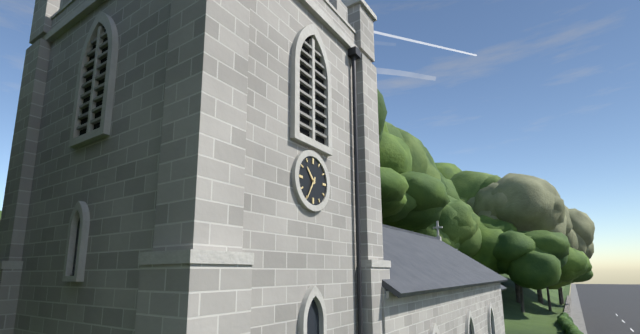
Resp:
h=10 m=35
